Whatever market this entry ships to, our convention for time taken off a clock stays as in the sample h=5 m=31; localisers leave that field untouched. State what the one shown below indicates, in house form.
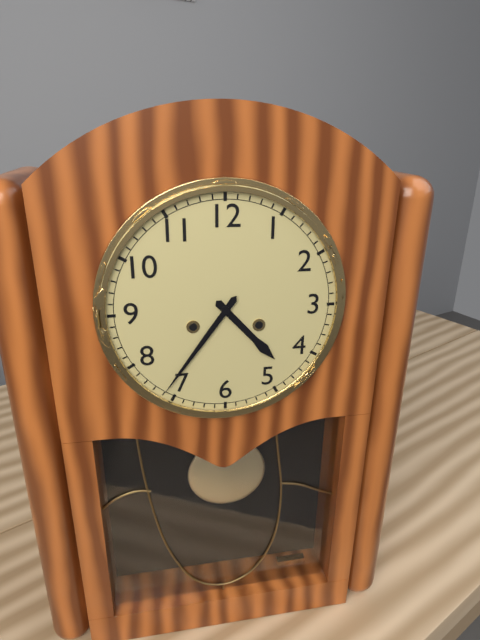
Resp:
h=4 m=36
